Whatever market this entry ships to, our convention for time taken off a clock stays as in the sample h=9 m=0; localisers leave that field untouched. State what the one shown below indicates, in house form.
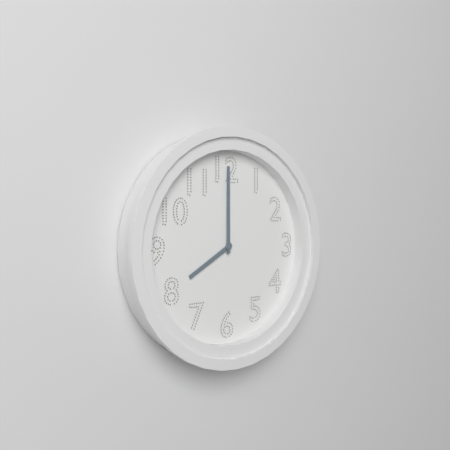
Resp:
h=8 m=0
